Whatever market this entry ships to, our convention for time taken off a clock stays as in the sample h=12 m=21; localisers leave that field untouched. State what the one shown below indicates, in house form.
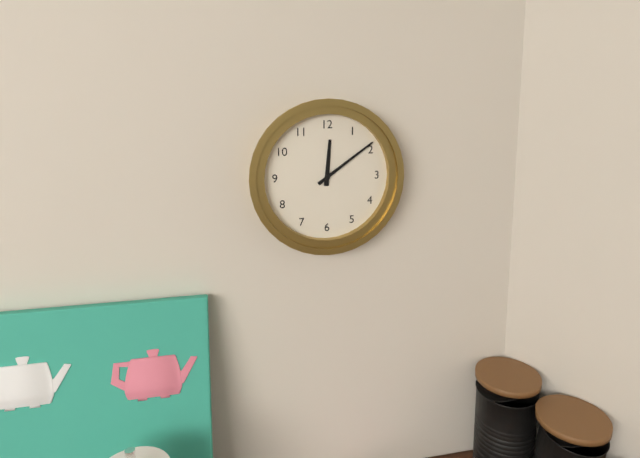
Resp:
h=12 m=9
